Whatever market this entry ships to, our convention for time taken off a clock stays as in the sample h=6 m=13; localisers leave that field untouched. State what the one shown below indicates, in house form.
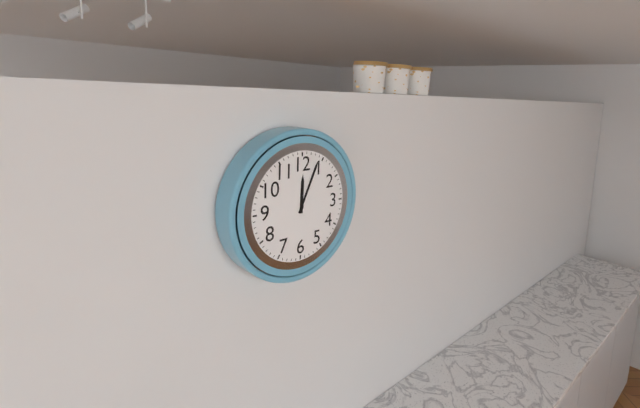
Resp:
h=12 m=4
